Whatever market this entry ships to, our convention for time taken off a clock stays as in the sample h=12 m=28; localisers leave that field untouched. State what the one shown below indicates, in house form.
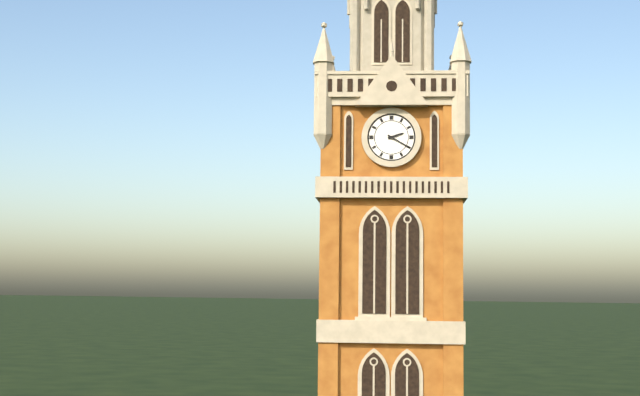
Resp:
h=2 m=20
